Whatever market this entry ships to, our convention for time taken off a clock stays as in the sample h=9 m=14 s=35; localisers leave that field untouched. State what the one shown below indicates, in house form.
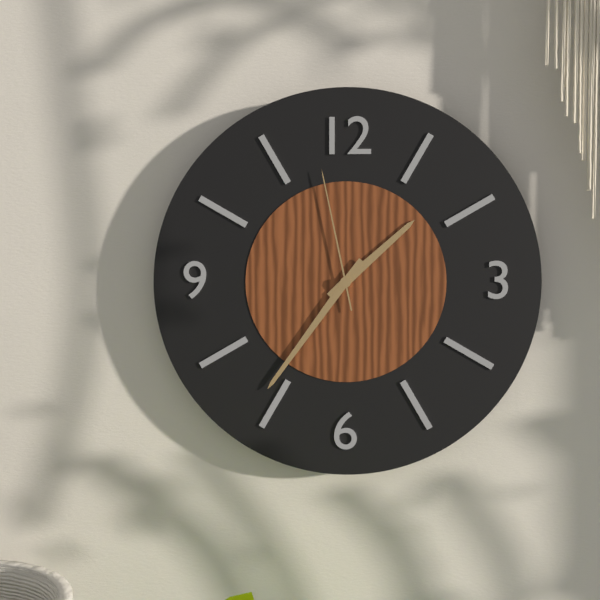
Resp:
h=1 m=36 s=58
